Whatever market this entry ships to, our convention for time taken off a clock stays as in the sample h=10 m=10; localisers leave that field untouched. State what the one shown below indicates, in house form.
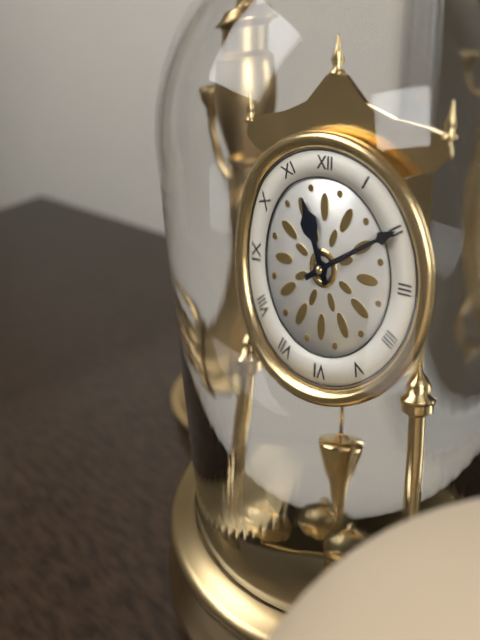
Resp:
h=11 m=10
